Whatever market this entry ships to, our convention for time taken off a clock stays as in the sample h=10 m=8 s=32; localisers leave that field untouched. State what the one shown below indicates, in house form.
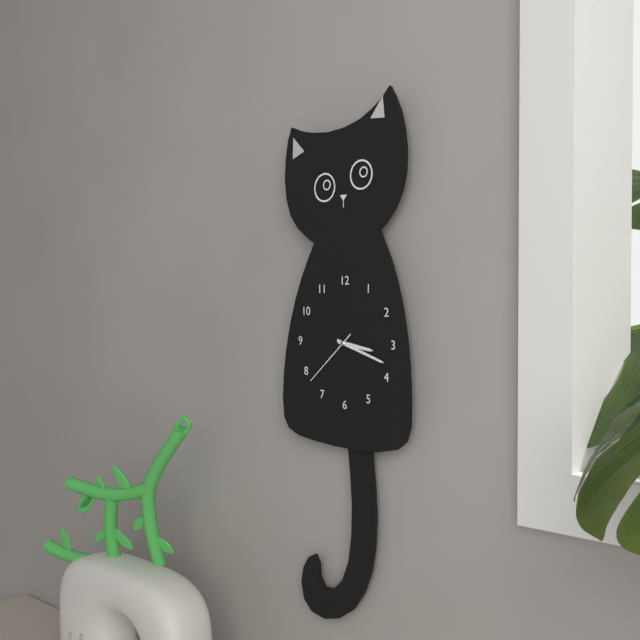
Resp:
h=3 m=18 s=38
